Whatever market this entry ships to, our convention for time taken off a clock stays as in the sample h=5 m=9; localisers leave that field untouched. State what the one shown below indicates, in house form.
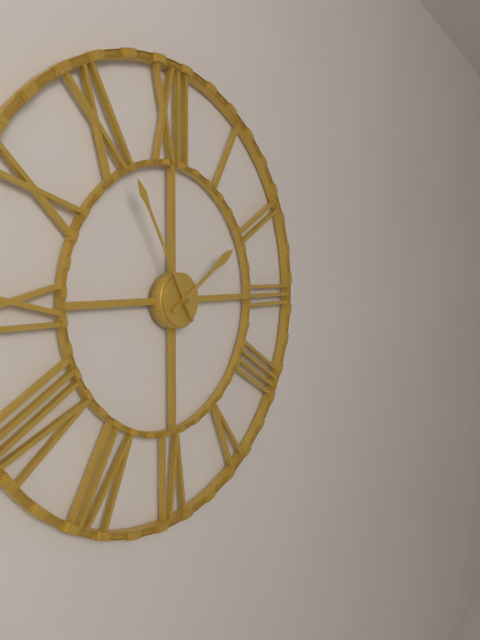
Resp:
h=1 m=55
